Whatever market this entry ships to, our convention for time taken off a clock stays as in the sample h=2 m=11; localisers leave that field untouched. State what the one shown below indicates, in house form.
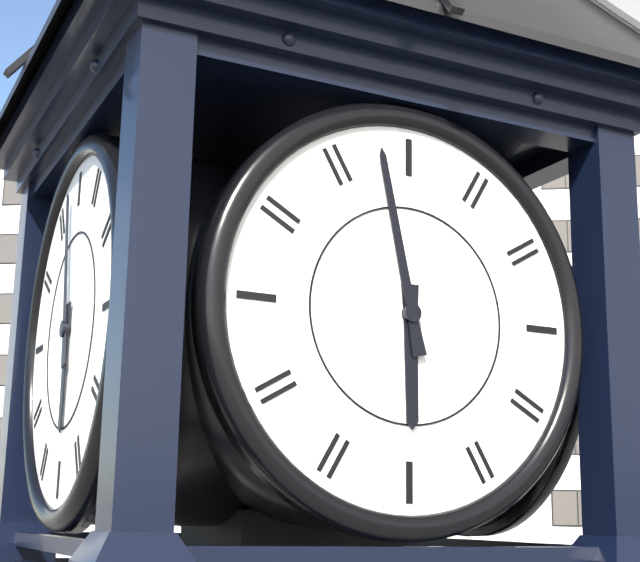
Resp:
h=5 m=58
